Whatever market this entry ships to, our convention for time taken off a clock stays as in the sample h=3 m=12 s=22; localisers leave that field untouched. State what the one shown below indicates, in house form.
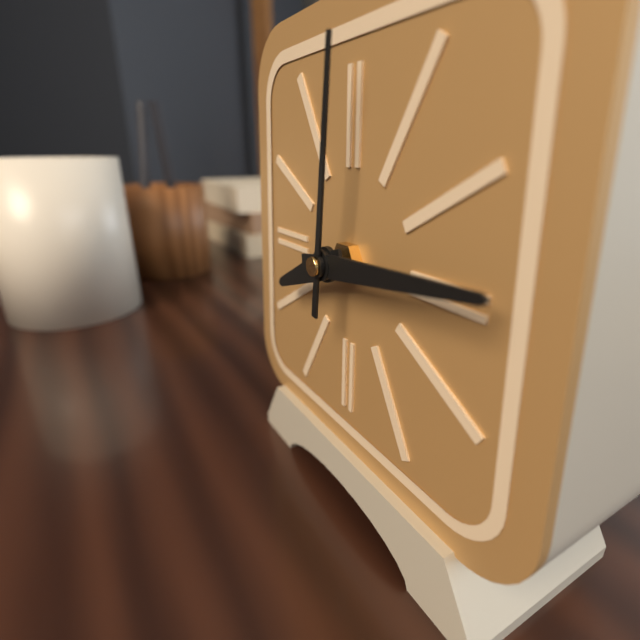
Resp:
h=8 m=14 s=1
